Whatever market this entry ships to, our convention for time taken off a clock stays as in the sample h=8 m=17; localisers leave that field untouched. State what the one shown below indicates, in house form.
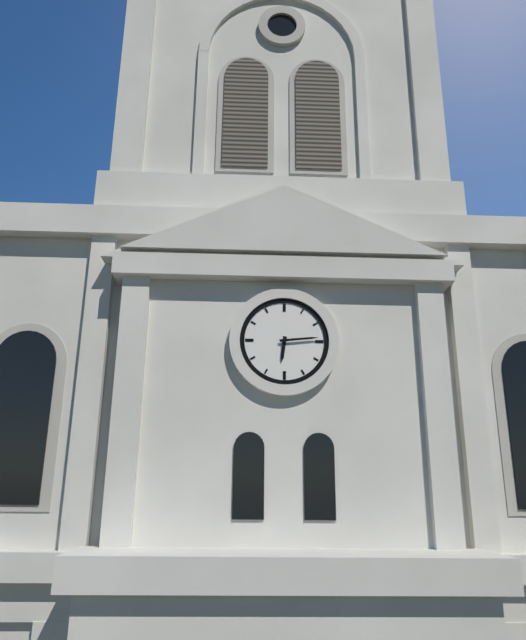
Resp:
h=6 m=14
